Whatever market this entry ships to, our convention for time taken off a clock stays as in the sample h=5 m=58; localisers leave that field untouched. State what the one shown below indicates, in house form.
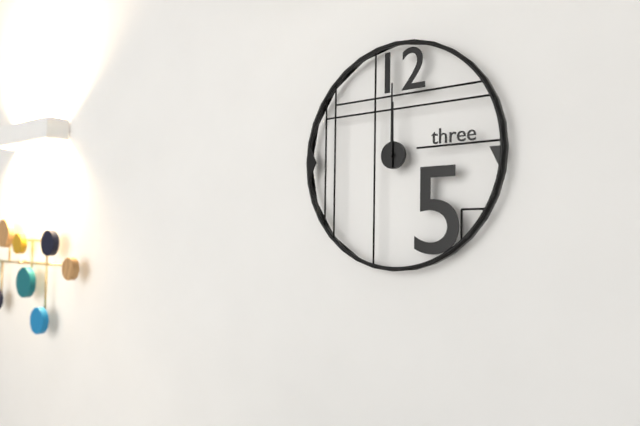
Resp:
h=12 m=0
